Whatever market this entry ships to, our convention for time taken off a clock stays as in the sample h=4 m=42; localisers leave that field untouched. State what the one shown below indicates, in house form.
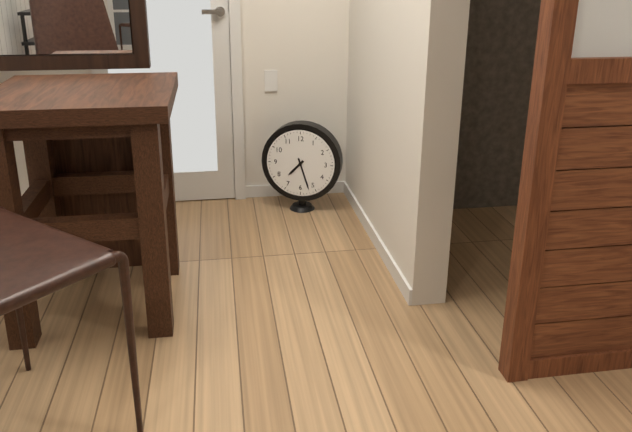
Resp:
h=7 m=27
